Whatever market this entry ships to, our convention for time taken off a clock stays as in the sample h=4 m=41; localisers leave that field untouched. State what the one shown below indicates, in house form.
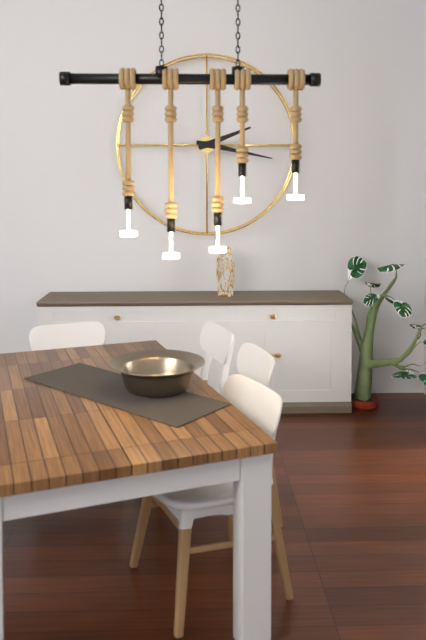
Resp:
h=2 m=17
